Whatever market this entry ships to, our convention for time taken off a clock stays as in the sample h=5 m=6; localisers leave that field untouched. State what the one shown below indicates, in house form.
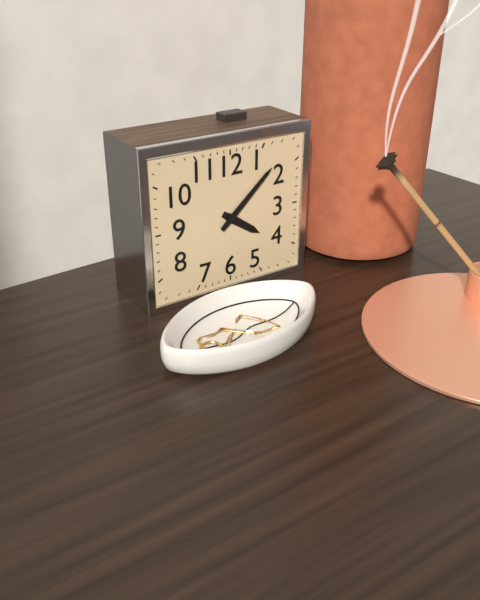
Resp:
h=4 m=8
